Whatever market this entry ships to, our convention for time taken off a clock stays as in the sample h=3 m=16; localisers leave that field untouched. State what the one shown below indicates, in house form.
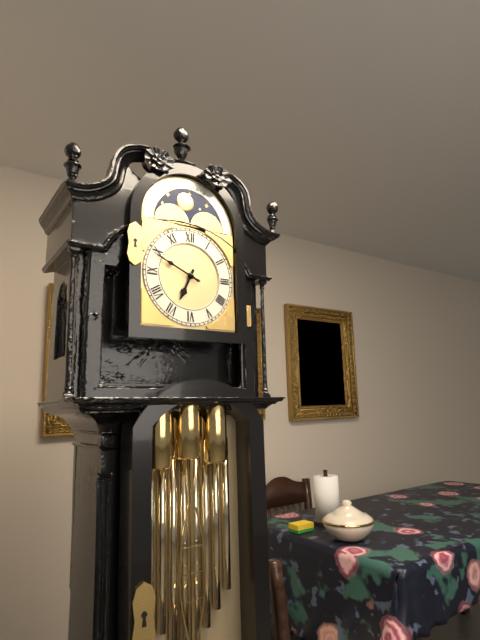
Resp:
h=6 m=49
